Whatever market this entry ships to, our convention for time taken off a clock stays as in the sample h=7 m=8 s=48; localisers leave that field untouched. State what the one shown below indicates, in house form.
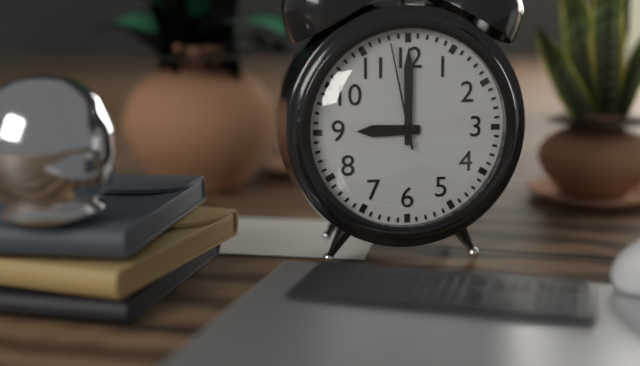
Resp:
h=9 m=0 s=58
